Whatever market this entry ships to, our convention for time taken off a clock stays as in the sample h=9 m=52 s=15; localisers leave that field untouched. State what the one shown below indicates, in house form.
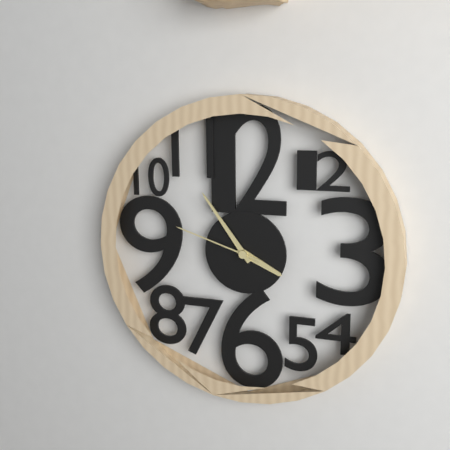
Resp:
h=3 m=54 s=48
